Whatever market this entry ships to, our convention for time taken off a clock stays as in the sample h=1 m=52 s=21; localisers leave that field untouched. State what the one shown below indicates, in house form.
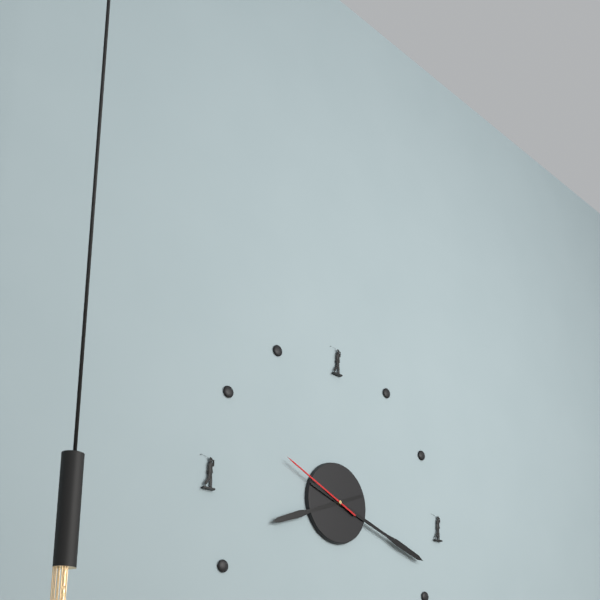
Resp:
h=8 m=18 s=49
